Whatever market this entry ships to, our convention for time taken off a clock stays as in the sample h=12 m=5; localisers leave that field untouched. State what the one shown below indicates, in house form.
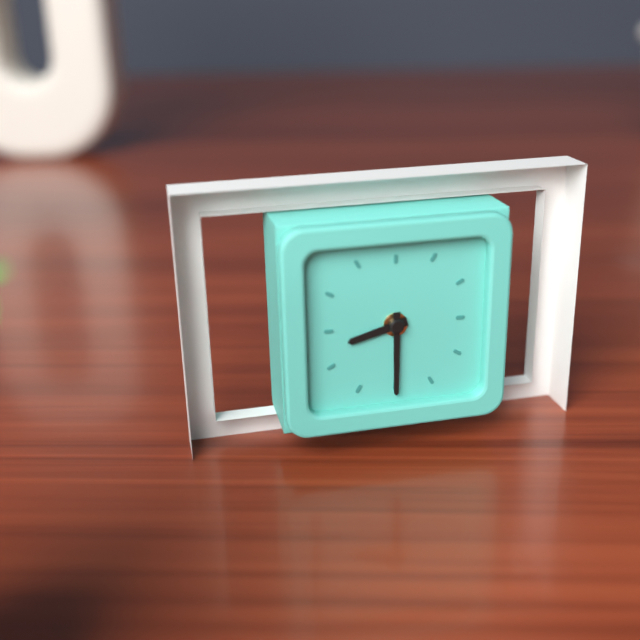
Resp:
h=8 m=30
